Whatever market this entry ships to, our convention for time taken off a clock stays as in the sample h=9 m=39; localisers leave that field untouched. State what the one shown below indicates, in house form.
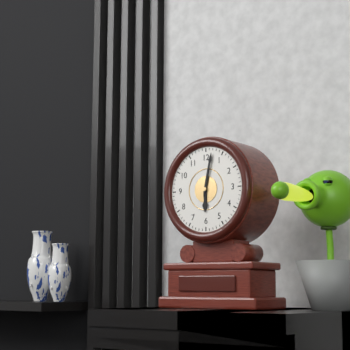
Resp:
h=6 m=2
